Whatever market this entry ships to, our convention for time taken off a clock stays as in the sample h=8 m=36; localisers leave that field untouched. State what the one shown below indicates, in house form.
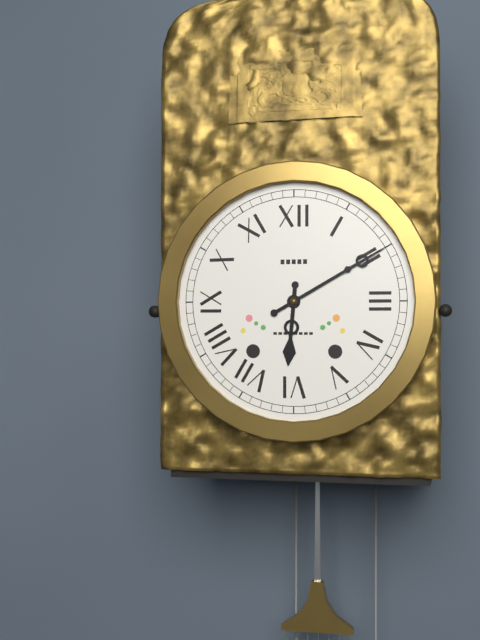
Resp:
h=6 m=10
